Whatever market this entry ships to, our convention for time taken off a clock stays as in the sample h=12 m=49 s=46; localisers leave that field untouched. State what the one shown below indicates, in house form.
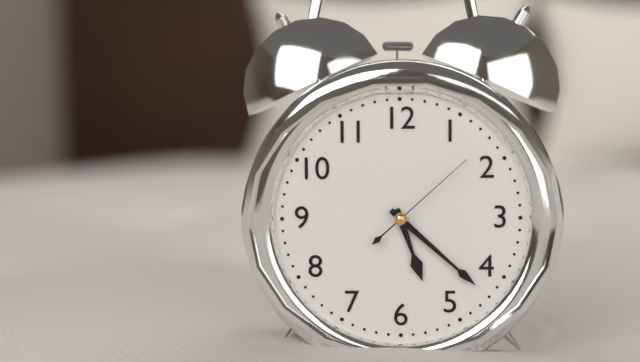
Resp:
h=5 m=22 s=8
